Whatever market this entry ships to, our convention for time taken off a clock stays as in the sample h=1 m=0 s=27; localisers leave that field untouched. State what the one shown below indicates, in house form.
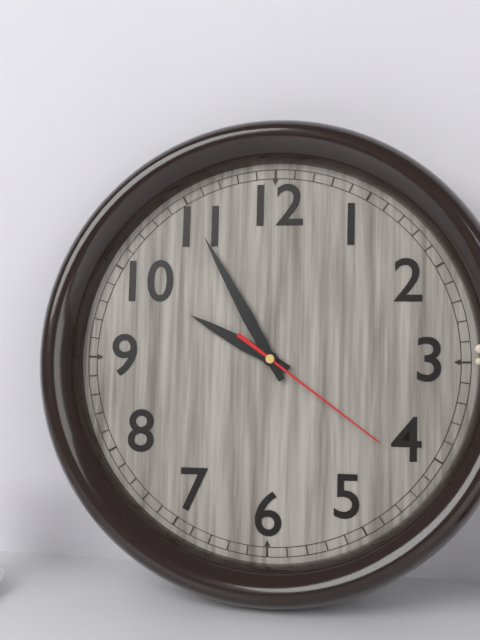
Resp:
h=9 m=55 s=21
